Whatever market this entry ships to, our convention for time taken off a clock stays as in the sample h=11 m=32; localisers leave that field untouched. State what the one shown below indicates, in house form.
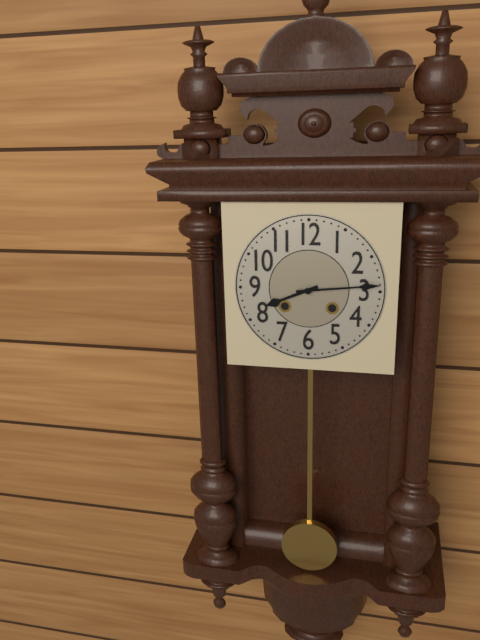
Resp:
h=8 m=14
